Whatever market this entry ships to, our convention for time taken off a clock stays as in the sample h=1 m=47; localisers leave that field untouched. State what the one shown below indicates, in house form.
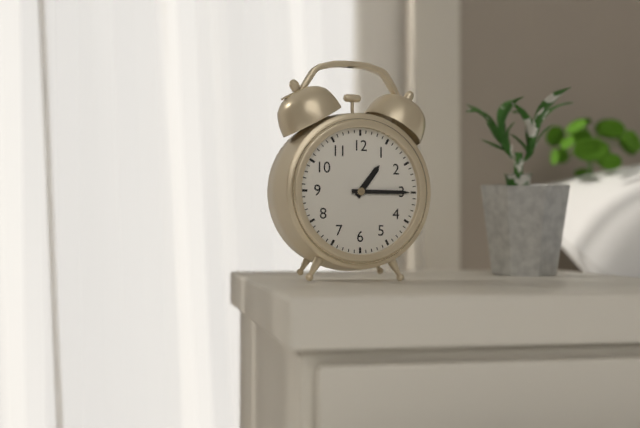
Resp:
h=1 m=15
